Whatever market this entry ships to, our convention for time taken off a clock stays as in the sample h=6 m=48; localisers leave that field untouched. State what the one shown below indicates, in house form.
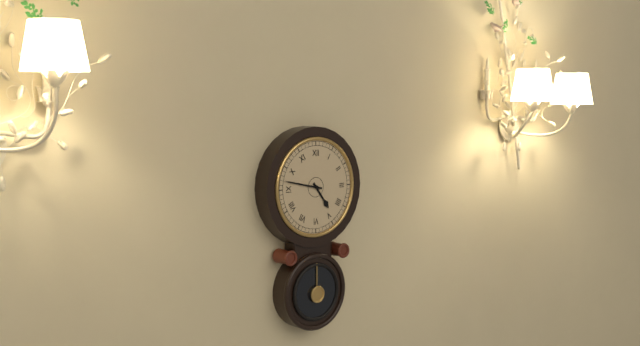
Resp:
h=4 m=47
